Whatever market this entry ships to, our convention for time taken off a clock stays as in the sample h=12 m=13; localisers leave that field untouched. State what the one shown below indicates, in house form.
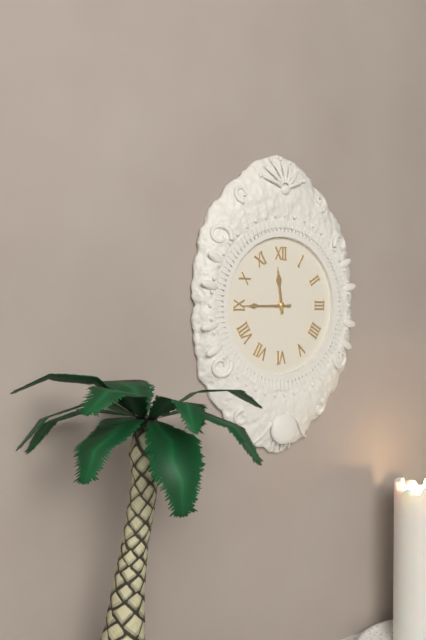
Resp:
h=11 m=45
